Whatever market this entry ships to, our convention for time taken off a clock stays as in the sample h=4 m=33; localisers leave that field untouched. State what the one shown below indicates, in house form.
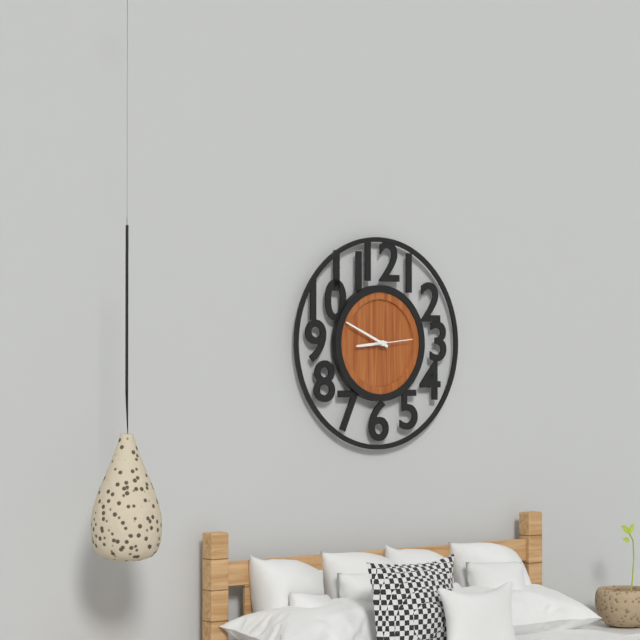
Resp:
h=8 m=49
